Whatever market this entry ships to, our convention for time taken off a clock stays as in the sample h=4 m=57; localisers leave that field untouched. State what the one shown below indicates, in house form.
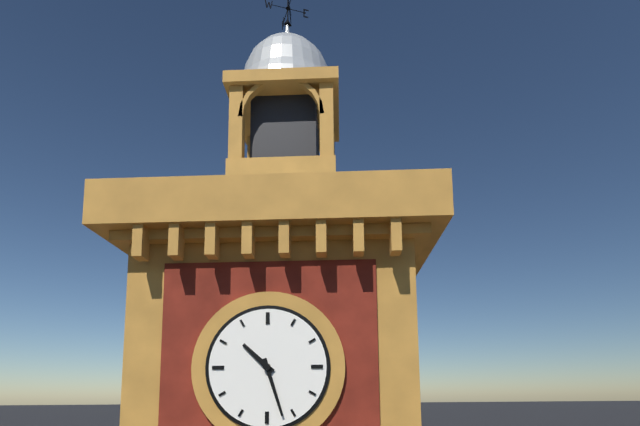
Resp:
h=10 m=27
